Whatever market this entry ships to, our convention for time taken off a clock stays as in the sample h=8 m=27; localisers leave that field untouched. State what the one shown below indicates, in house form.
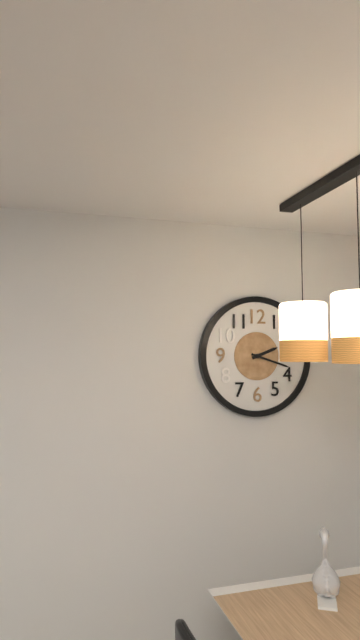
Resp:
h=2 m=18
